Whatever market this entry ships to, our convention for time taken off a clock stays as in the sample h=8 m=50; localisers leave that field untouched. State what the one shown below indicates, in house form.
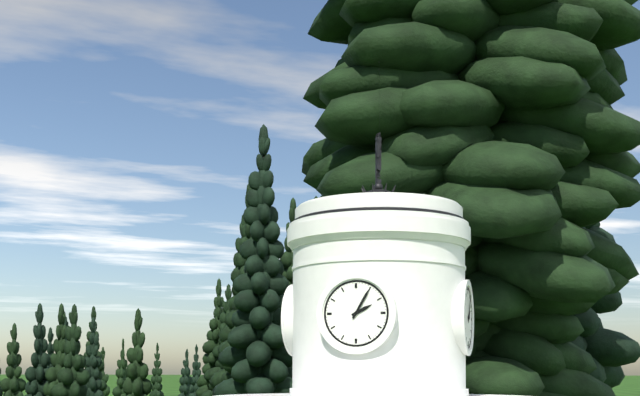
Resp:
h=2 m=5
